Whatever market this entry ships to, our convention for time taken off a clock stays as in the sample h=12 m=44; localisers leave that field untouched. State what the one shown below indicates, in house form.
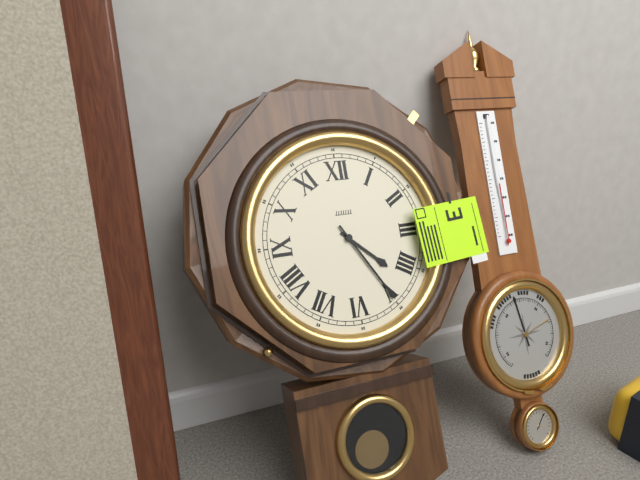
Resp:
h=4 m=25
